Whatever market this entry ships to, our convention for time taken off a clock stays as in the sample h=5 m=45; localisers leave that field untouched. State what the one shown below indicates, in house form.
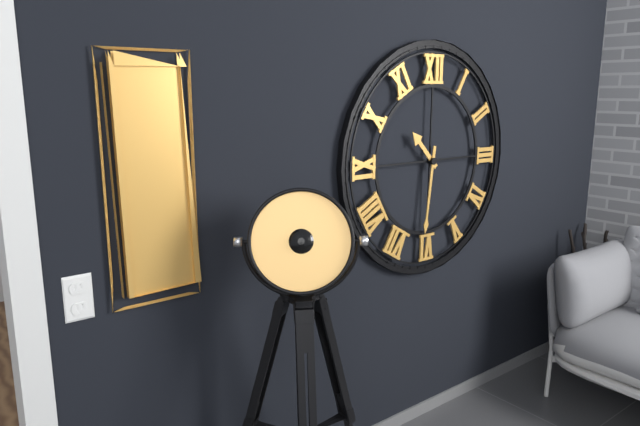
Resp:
h=10 m=31
